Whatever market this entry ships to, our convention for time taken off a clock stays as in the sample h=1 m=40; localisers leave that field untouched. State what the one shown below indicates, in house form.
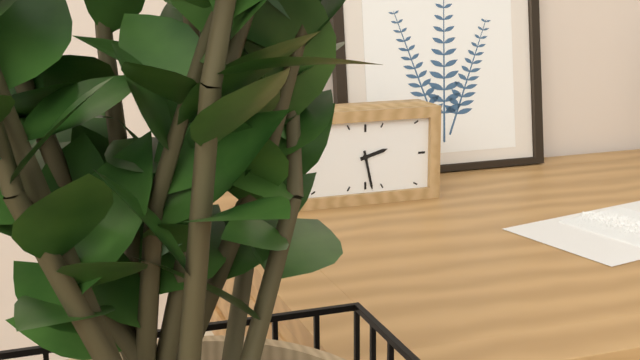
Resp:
h=2 m=28
